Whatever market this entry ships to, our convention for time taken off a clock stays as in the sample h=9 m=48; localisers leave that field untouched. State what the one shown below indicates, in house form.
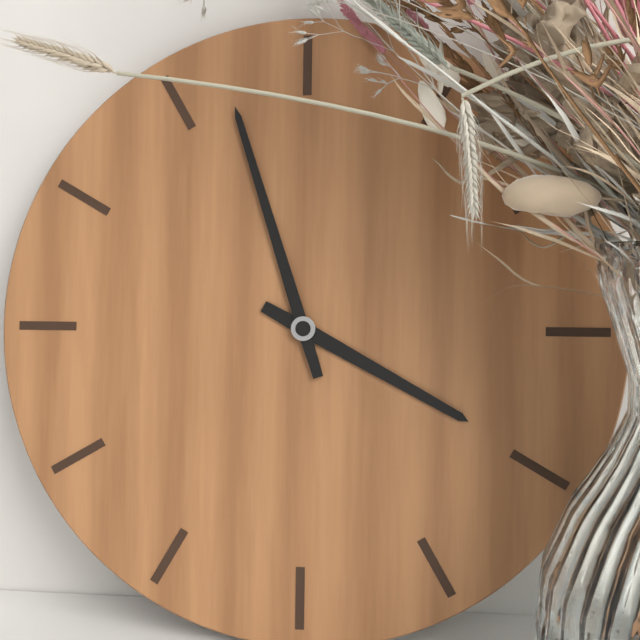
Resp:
h=3 m=57
